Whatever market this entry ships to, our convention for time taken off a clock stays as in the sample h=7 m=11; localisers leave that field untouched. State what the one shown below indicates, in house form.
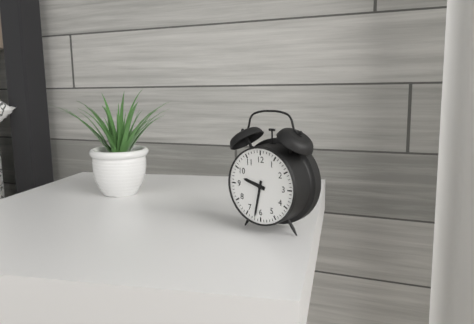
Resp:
h=9 m=32
